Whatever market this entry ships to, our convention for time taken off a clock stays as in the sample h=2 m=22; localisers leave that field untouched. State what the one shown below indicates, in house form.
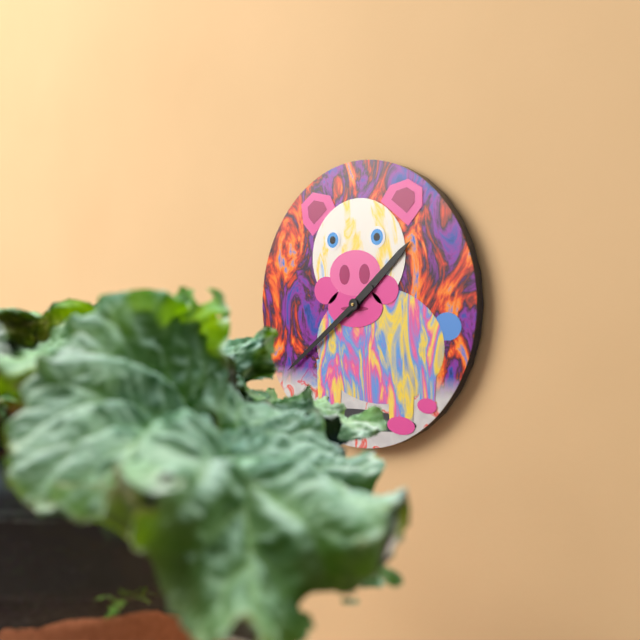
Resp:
h=1 m=39
